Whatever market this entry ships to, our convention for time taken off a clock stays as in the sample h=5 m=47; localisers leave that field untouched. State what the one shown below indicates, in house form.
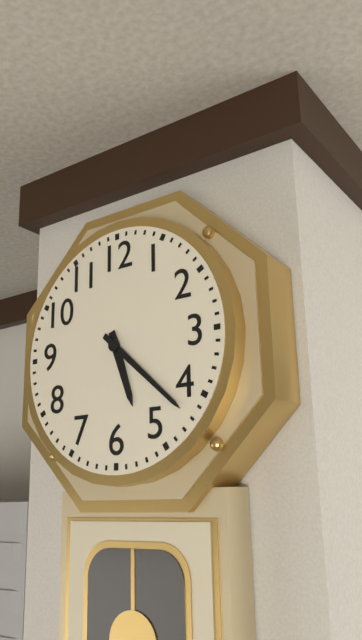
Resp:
h=5 m=22
